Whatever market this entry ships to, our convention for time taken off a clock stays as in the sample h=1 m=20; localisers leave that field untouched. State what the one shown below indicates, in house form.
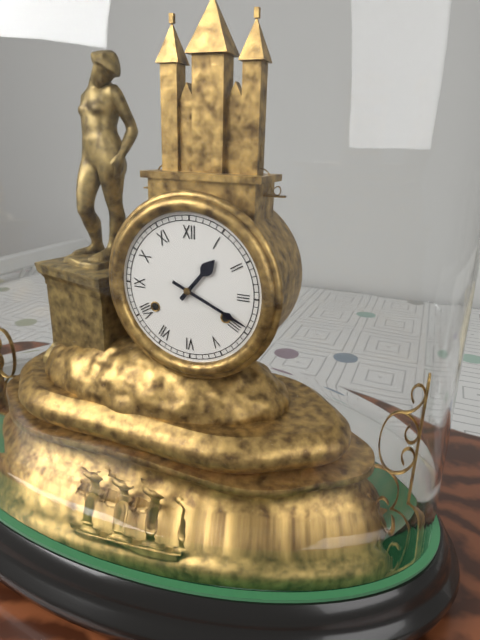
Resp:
h=1 m=19
